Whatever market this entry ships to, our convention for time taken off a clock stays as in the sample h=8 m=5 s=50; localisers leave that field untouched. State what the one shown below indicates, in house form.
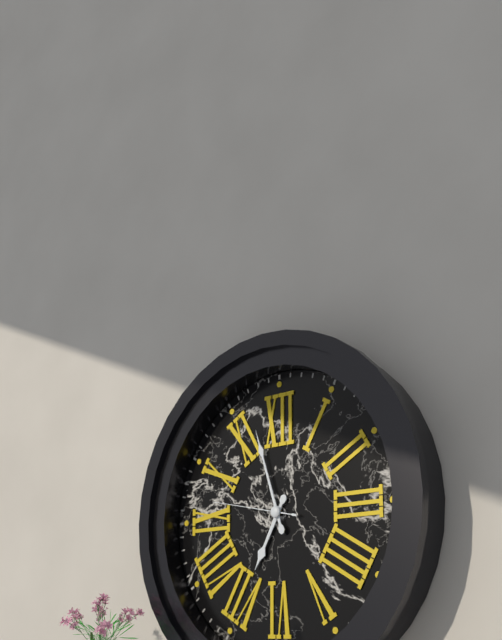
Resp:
h=6 m=57 s=47
